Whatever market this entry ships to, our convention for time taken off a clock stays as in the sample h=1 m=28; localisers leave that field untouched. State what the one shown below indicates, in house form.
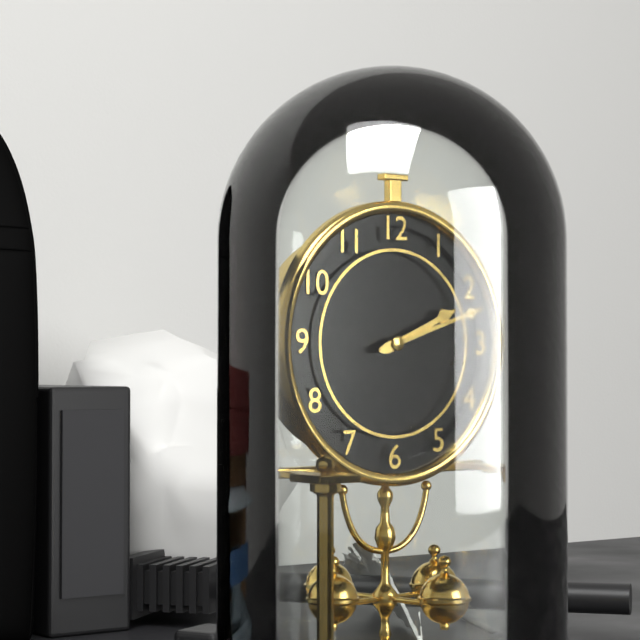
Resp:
h=2 m=12
